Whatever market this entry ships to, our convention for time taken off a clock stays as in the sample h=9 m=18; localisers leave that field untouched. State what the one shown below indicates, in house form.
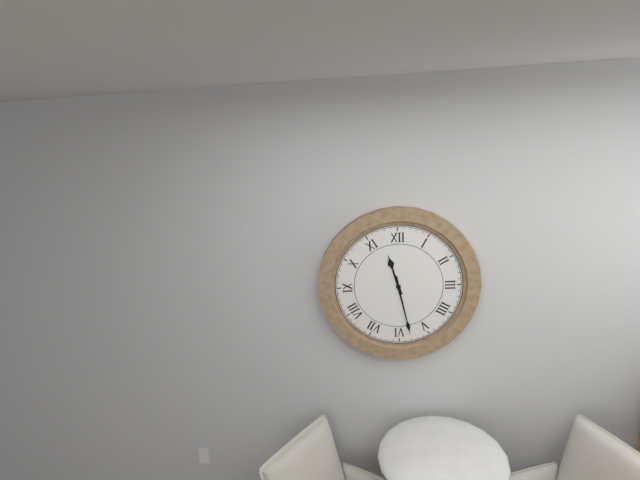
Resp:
h=11 m=28
